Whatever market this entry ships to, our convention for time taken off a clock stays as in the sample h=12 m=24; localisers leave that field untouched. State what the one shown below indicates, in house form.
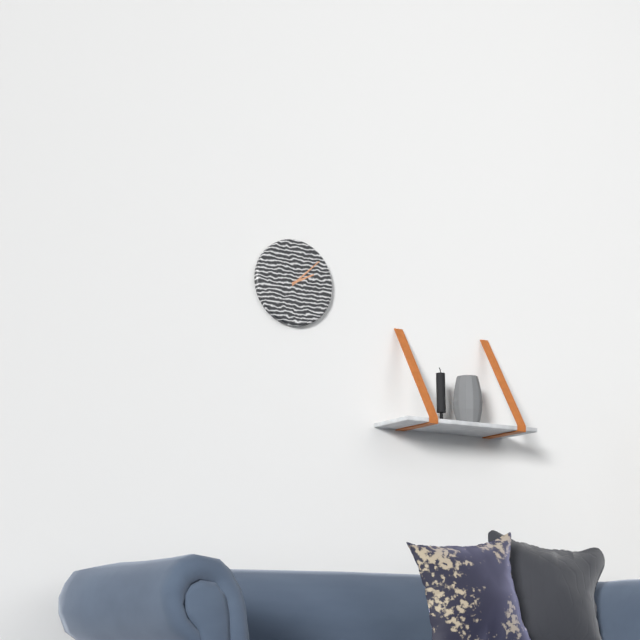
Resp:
h=2 m=8
